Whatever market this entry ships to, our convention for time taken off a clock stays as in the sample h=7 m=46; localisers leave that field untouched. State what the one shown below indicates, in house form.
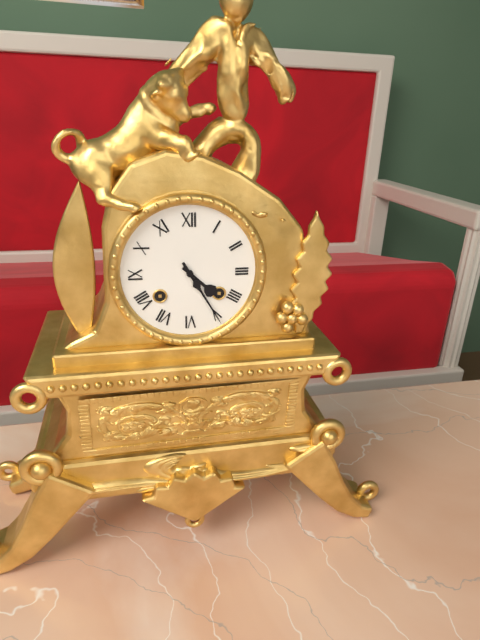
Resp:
h=4 m=25
